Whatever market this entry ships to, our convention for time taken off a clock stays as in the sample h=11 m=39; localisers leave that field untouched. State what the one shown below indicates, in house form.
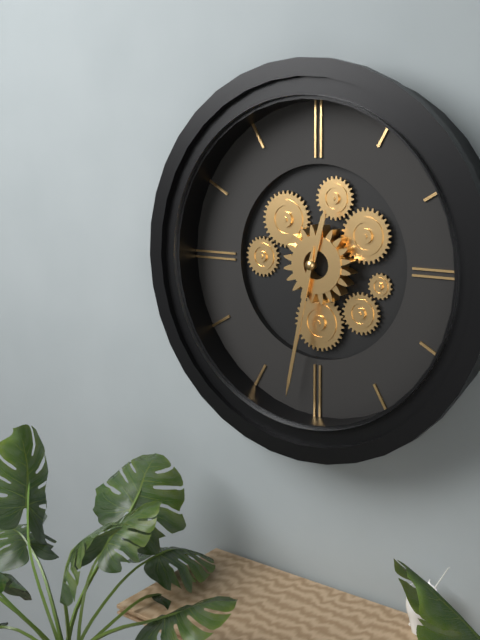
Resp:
h=12 m=32
